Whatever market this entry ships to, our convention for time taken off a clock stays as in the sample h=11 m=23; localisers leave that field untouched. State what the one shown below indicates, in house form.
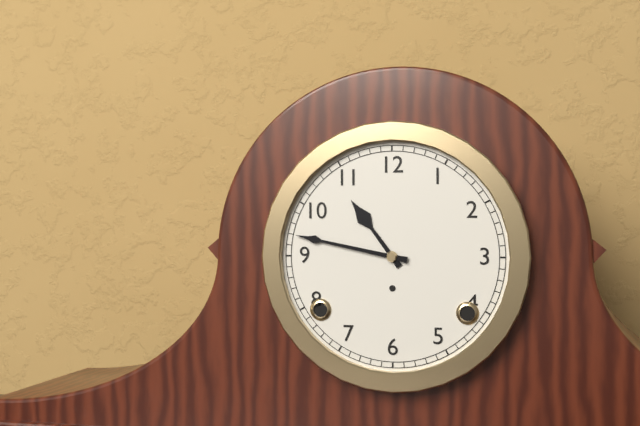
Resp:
h=10 m=47
